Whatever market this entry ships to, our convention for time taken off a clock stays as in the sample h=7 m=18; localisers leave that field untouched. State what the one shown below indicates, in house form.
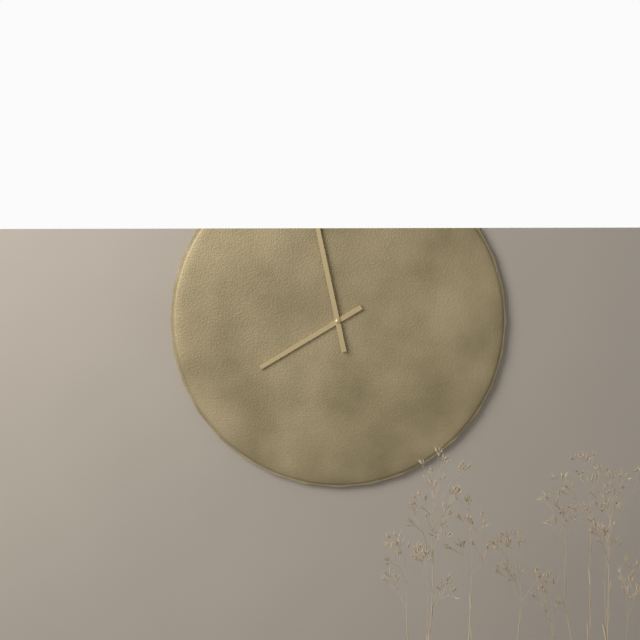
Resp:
h=7 m=58
